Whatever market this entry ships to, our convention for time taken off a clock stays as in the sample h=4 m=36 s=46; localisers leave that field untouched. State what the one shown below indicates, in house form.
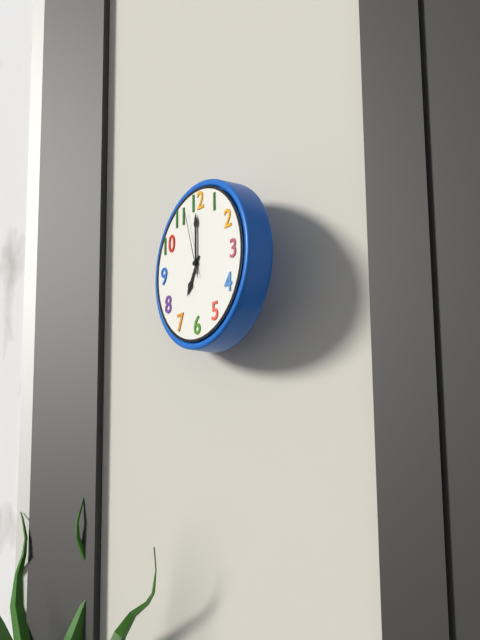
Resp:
h=7 m=0 s=57
